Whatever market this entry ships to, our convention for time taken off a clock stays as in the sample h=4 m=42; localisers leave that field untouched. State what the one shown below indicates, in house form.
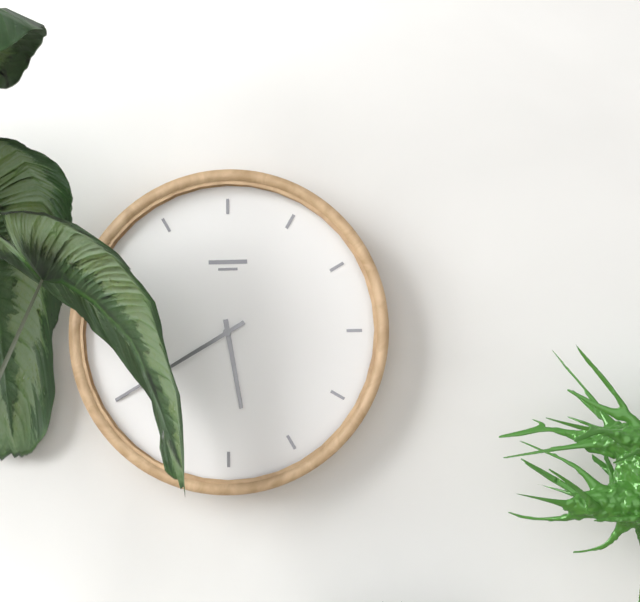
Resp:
h=5 m=40
